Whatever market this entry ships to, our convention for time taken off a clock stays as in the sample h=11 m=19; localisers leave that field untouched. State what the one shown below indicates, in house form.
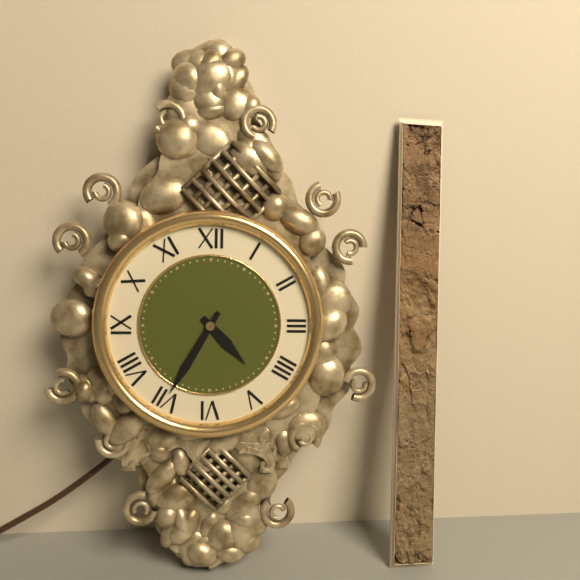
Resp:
h=4 m=35
